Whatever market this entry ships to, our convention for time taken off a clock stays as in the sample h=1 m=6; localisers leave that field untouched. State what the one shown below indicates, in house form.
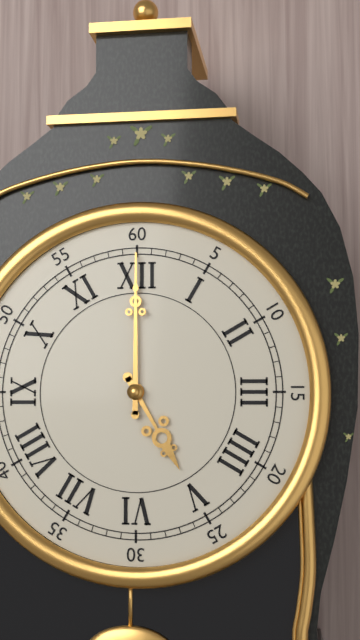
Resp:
h=5 m=0
